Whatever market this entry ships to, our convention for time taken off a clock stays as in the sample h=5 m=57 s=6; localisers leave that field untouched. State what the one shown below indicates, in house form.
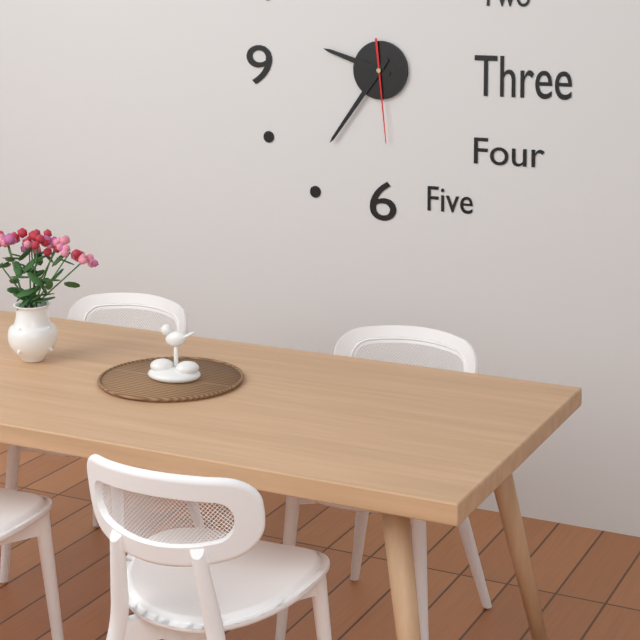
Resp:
h=9 m=36 s=29
